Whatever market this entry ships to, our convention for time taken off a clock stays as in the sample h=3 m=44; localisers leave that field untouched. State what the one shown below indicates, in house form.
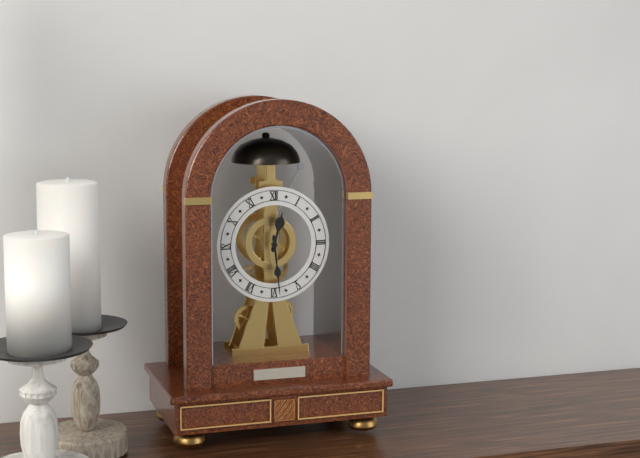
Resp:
h=12 m=29
